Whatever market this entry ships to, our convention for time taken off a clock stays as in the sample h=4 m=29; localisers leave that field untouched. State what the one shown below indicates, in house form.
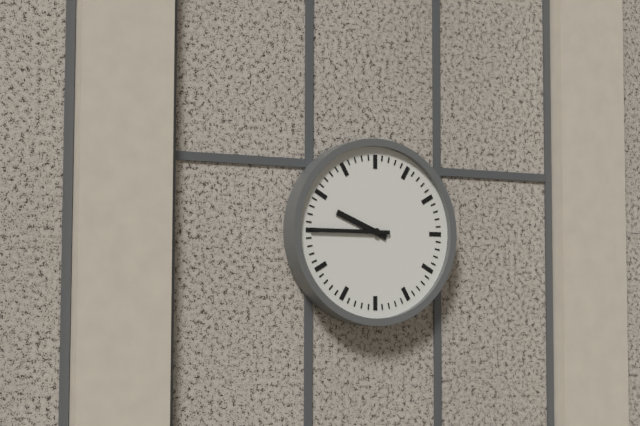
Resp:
h=9 m=45
